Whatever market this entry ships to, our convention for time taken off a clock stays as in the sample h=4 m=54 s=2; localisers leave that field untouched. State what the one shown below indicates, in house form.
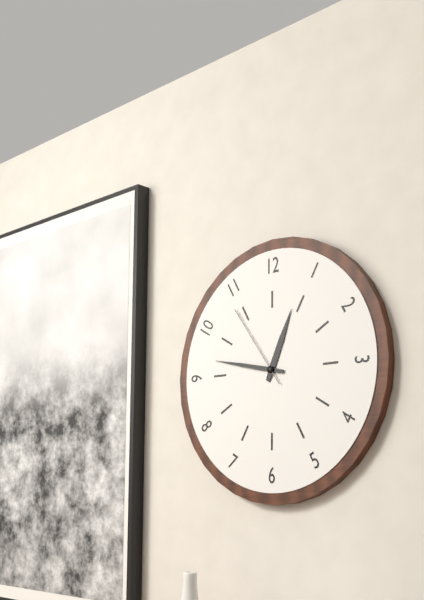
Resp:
h=12 m=47 s=54
